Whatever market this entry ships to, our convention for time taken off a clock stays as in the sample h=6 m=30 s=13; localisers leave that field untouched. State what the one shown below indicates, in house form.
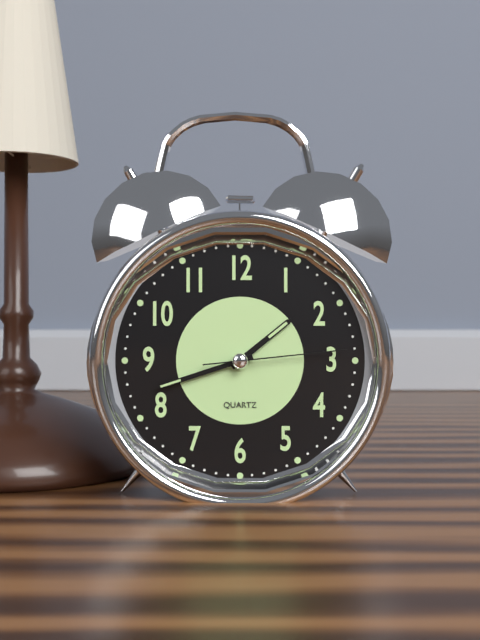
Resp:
h=1 m=42 s=14
